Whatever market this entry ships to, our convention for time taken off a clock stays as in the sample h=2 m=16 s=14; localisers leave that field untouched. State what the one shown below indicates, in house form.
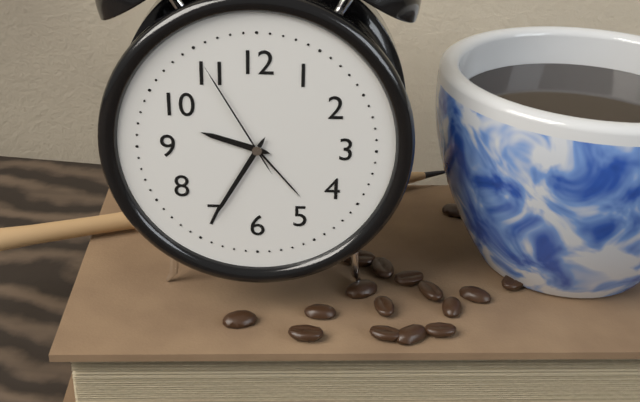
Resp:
h=9 m=35 s=55
